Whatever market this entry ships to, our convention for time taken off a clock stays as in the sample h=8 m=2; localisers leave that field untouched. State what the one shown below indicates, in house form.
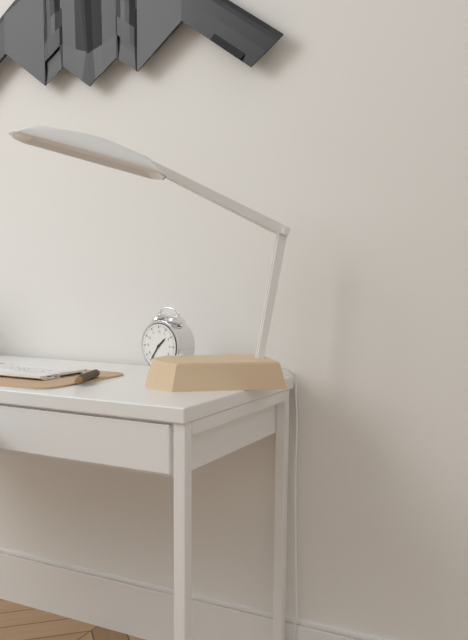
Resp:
h=1 m=36
